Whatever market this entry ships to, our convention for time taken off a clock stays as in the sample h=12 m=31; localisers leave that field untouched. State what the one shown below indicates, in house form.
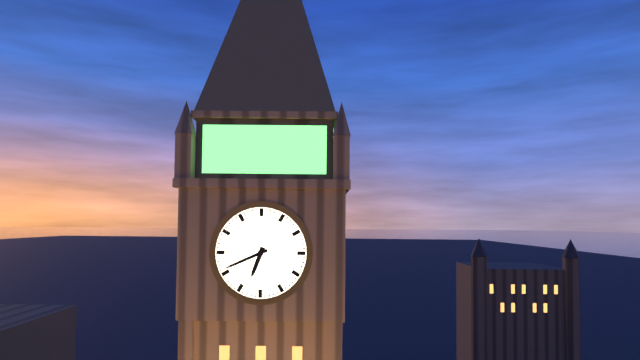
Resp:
h=6 m=41
